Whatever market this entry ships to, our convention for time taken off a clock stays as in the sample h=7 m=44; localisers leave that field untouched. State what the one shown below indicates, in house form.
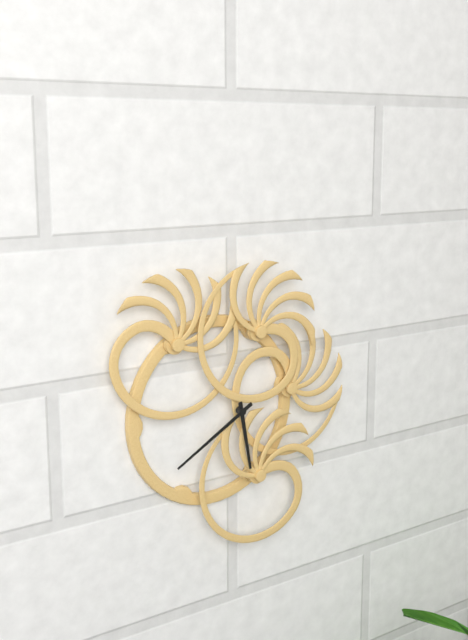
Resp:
h=5 m=40
